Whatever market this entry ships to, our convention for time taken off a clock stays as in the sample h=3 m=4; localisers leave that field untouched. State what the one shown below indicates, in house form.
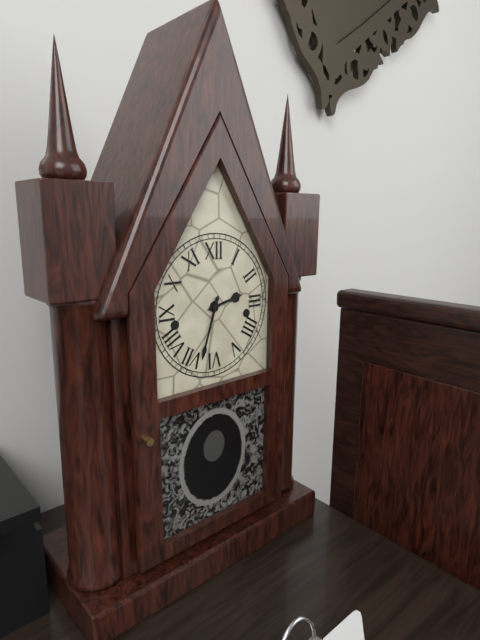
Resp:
h=2 m=33
